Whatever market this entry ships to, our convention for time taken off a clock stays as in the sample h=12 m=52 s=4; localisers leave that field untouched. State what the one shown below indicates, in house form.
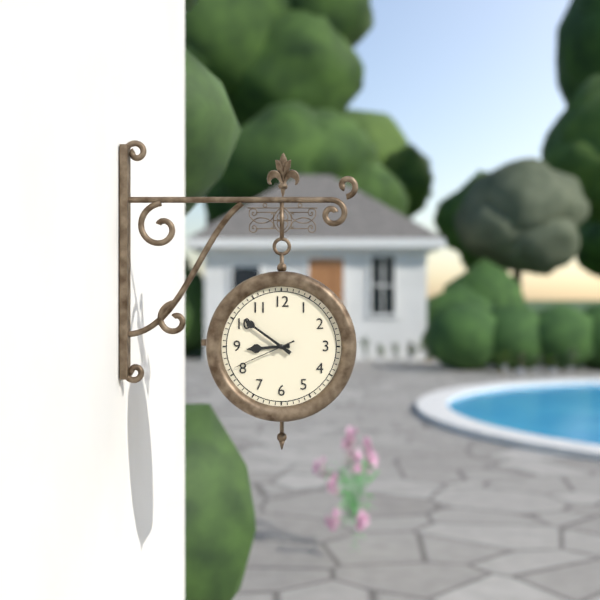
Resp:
h=8 m=51 s=41
